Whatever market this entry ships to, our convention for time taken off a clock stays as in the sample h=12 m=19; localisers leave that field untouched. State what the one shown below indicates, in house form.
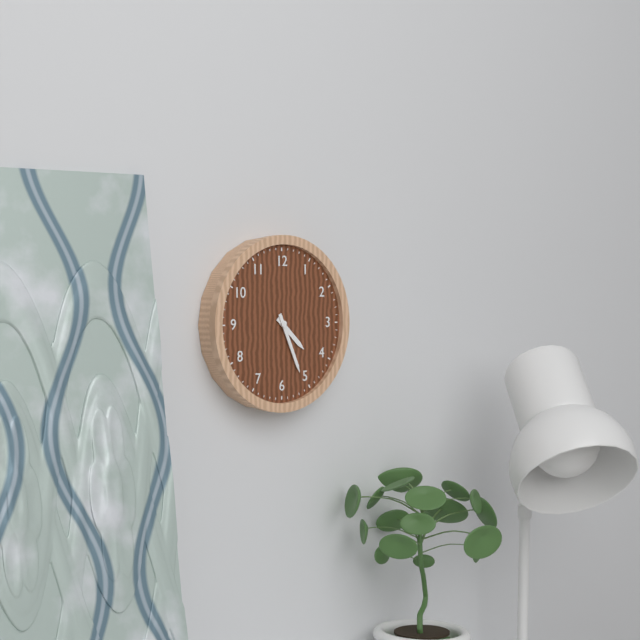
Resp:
h=4 m=26
